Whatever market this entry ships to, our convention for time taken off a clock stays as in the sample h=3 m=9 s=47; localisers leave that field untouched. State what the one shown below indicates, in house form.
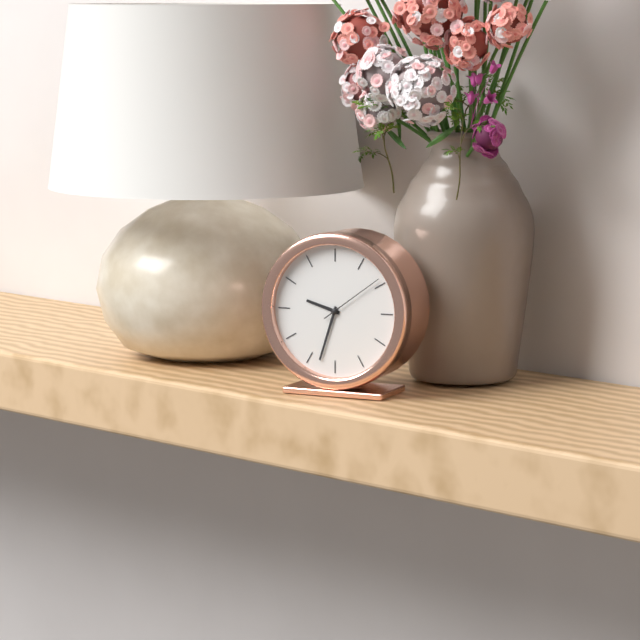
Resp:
h=9 m=33 s=9
